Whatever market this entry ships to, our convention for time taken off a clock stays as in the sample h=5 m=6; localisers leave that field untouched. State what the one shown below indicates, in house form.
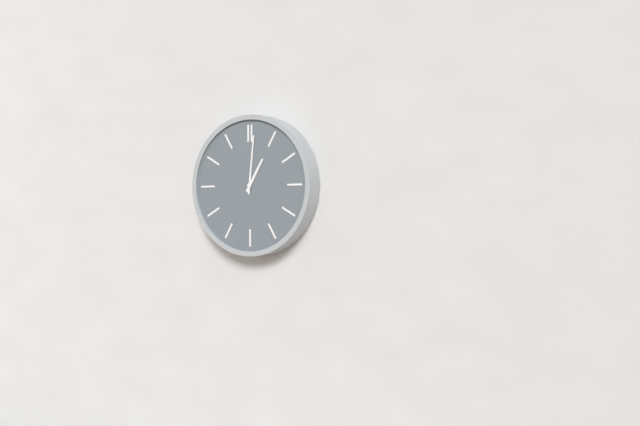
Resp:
h=1 m=1
